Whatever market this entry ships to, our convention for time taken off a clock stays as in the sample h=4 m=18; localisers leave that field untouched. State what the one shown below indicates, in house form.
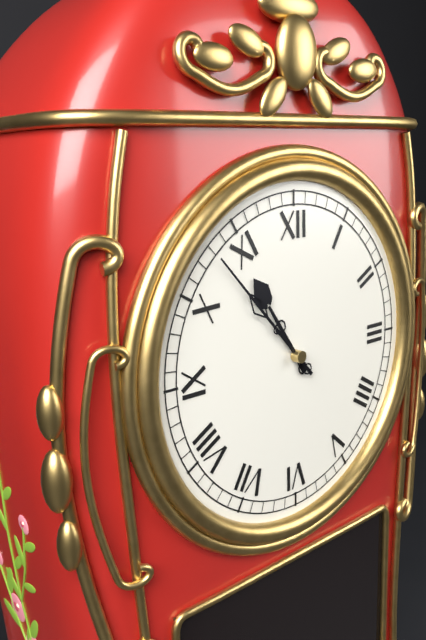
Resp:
h=10 m=53
